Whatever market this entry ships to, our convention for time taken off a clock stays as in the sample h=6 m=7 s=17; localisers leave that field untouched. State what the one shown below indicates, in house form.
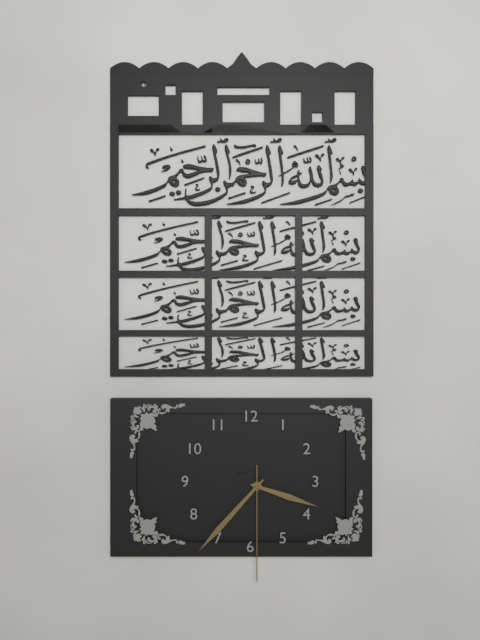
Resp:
h=3 m=37 s=30
